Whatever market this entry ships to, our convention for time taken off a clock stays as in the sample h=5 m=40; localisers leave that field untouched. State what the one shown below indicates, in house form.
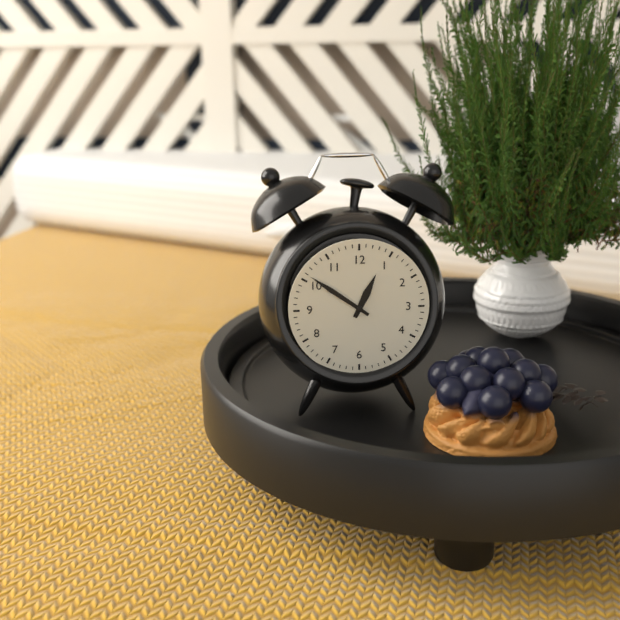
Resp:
h=12 m=51
